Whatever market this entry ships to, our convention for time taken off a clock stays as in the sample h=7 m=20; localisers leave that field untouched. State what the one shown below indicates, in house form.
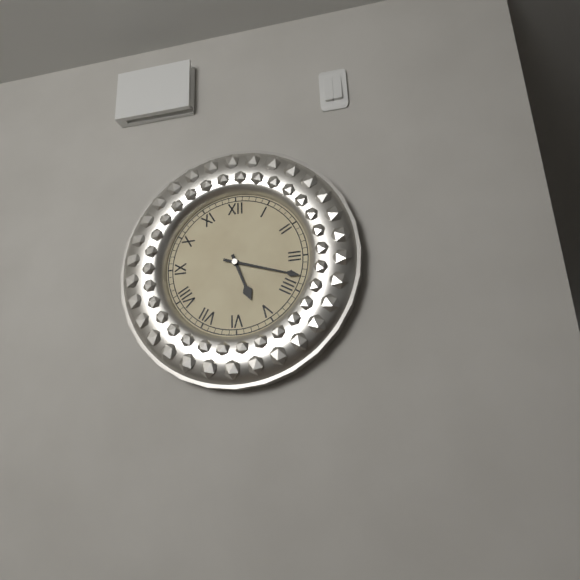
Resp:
h=5 m=18
